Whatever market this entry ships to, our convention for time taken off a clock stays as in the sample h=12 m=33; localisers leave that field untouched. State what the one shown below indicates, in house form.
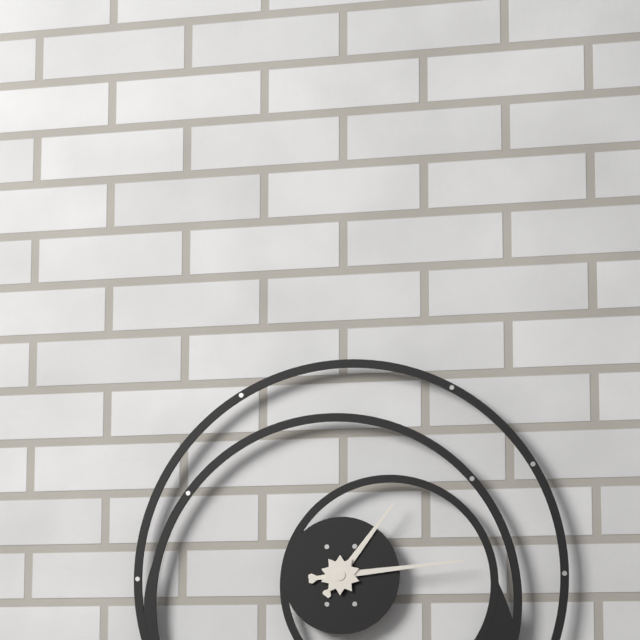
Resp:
h=1 m=14
